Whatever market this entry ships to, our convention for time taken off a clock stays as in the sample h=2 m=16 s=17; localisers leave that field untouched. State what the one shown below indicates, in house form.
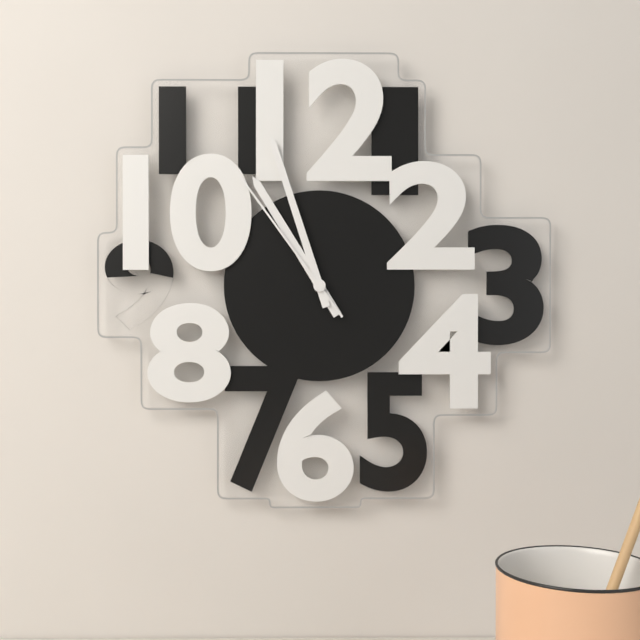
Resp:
h=10 m=57 s=54
